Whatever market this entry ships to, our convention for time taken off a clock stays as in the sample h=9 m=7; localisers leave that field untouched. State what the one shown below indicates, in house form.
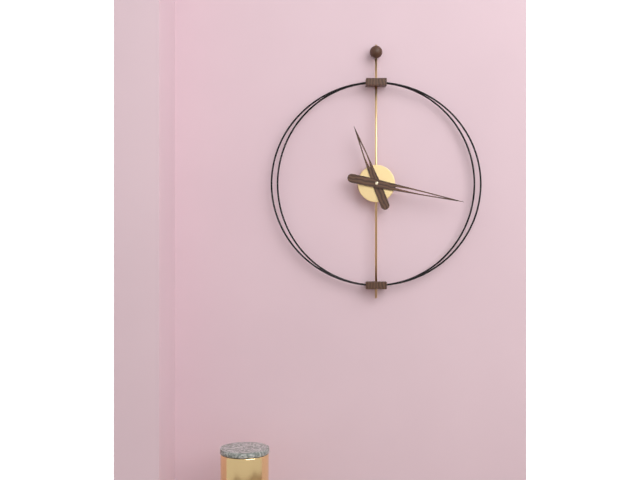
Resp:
h=11 m=17
